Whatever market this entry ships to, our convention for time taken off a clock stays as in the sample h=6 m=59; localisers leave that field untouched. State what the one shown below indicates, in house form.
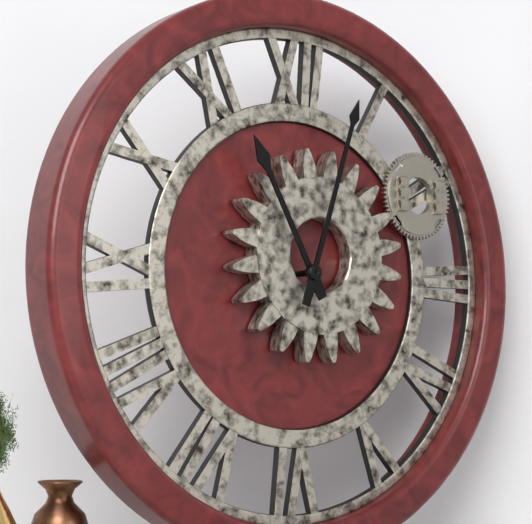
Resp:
h=11 m=3
